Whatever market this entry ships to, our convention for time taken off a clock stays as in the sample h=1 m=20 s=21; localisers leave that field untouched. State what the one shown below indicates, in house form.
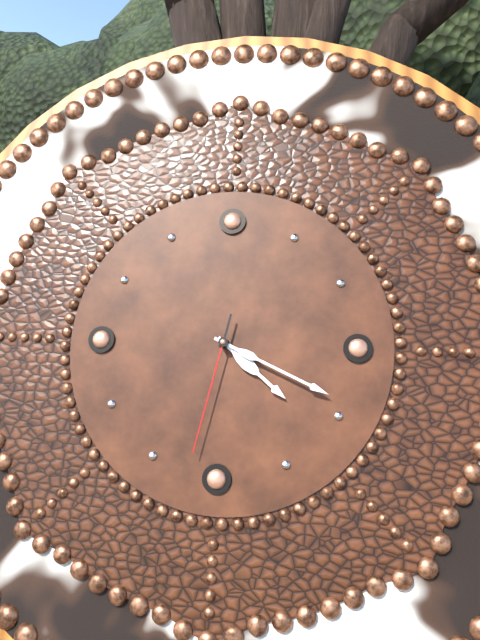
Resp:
h=4 m=19 s=32
